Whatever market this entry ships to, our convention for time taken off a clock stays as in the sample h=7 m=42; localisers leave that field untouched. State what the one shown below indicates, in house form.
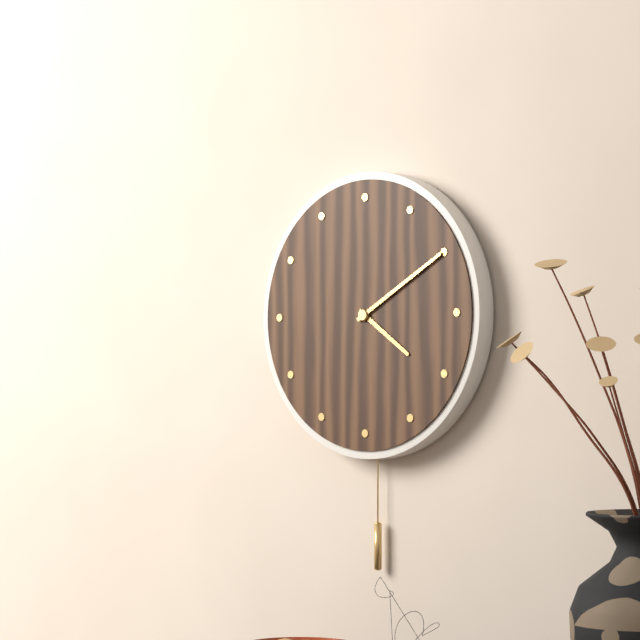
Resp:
h=4 m=10
